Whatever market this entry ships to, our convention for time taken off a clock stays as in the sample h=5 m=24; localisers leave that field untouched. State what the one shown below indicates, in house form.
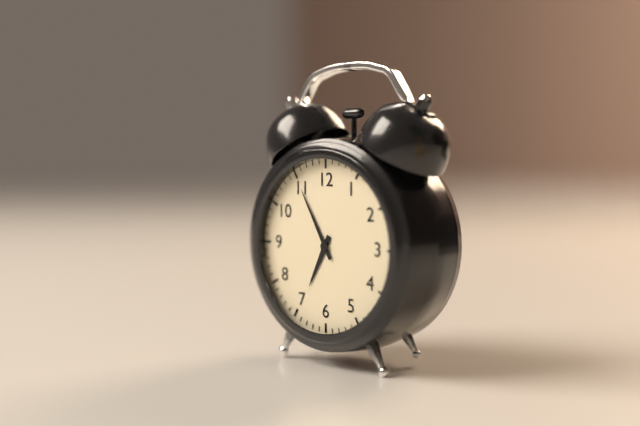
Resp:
h=6 m=55
